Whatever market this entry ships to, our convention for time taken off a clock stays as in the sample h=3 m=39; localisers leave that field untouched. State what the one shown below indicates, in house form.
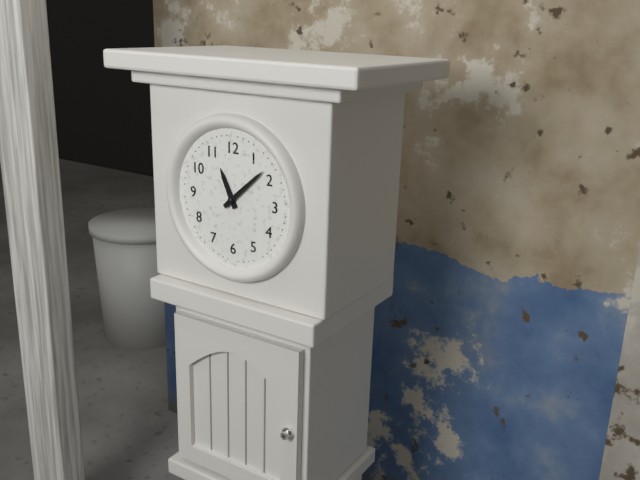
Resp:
h=11 m=8
